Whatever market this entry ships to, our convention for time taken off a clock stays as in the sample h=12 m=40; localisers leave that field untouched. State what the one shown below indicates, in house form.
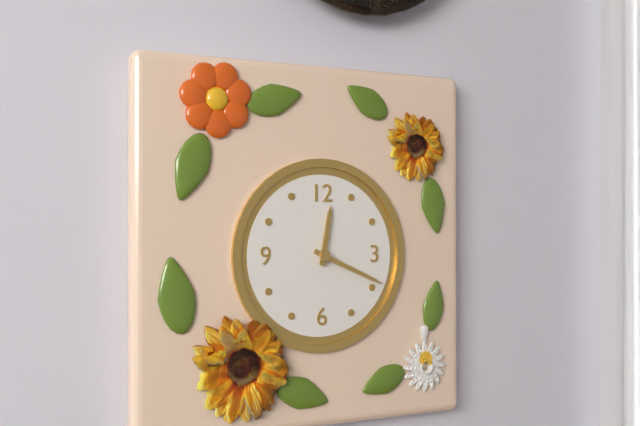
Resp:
h=12 m=19
